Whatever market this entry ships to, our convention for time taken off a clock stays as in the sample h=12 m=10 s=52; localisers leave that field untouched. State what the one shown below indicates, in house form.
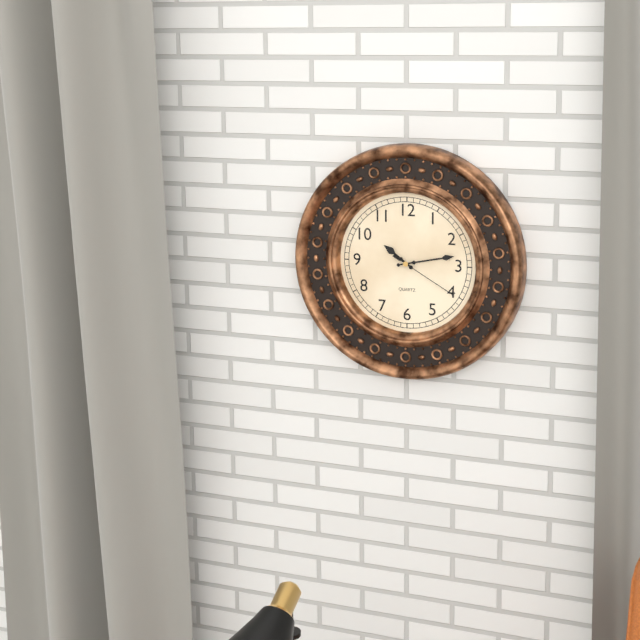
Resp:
h=10 m=13 s=20
